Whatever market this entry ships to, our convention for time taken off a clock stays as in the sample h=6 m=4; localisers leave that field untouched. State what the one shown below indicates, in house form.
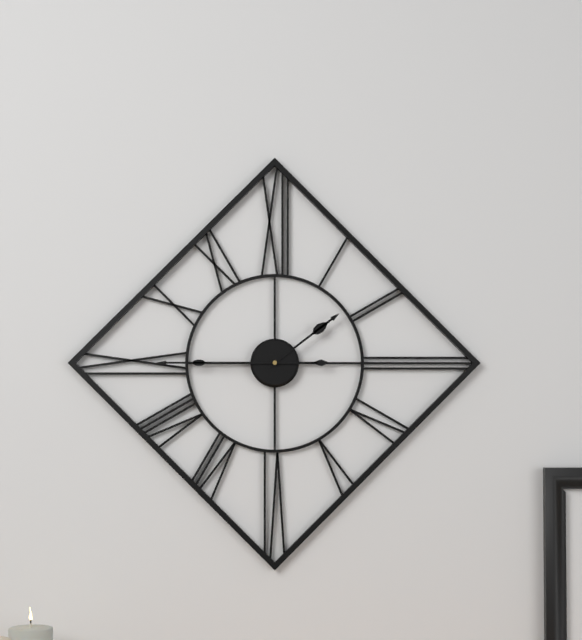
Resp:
h=1 m=45
